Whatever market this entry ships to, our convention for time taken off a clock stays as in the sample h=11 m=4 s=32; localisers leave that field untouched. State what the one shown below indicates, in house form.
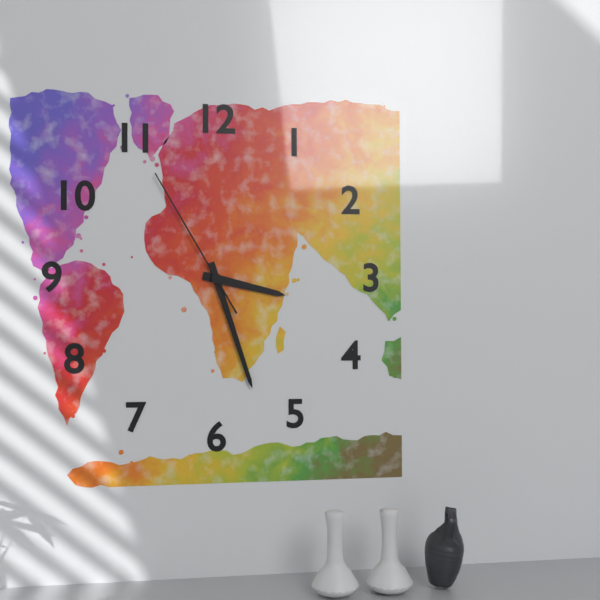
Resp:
h=3 m=27 s=55
